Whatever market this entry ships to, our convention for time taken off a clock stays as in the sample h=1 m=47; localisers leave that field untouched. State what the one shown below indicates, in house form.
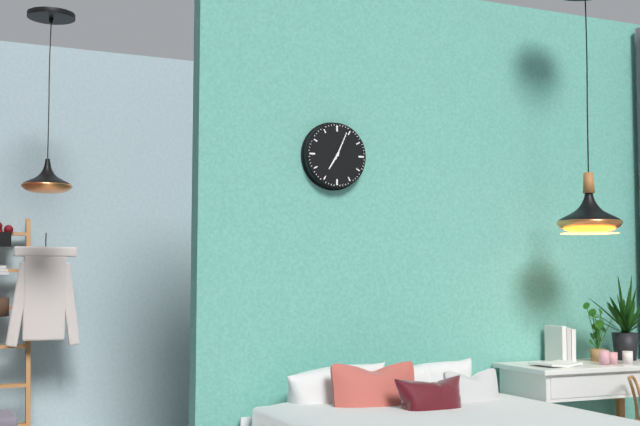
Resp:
h=7 m=4
